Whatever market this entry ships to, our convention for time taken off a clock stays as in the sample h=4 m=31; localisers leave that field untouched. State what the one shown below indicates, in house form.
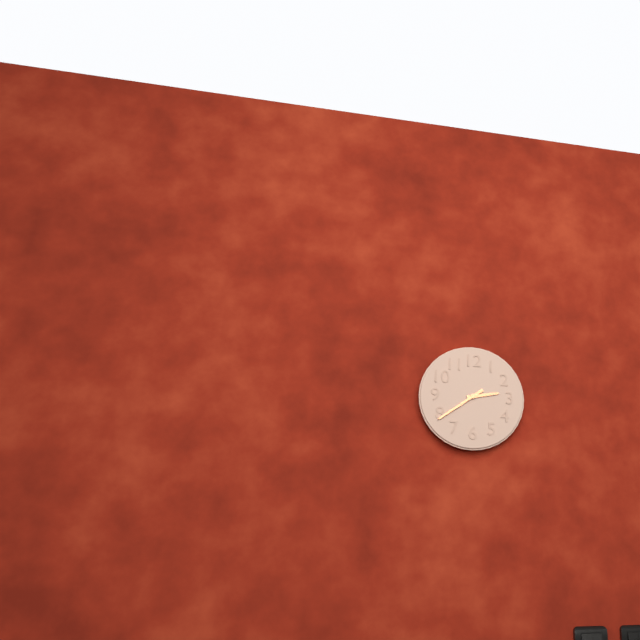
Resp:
h=2 m=39
